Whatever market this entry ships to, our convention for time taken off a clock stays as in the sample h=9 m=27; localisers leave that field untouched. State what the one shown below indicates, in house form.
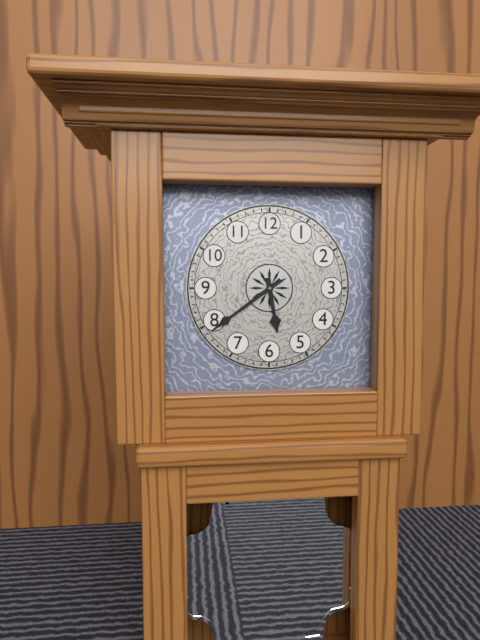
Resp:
h=5 m=39
